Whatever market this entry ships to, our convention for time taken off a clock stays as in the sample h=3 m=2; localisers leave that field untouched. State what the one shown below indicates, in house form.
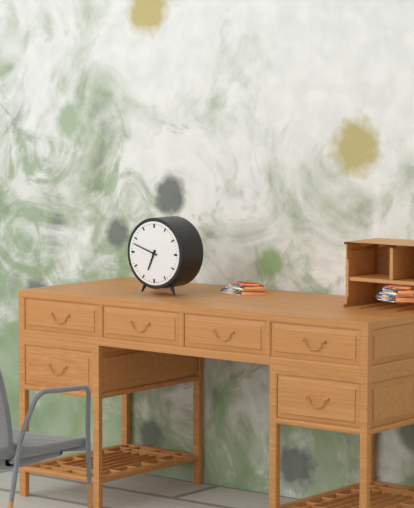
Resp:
h=6 m=48
